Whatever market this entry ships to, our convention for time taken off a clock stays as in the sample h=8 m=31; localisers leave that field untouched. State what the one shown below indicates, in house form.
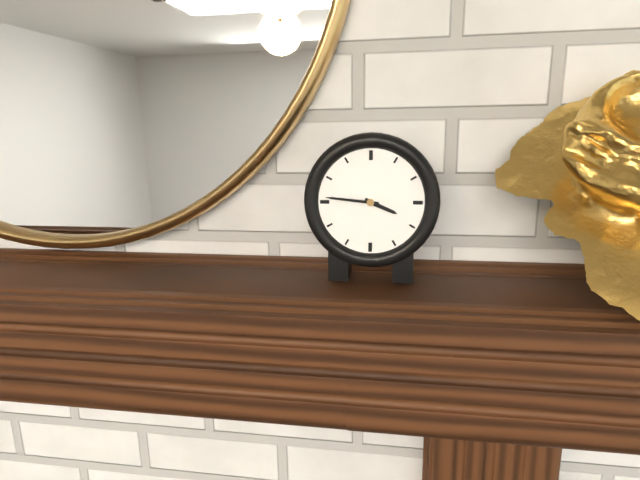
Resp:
h=3 m=46
